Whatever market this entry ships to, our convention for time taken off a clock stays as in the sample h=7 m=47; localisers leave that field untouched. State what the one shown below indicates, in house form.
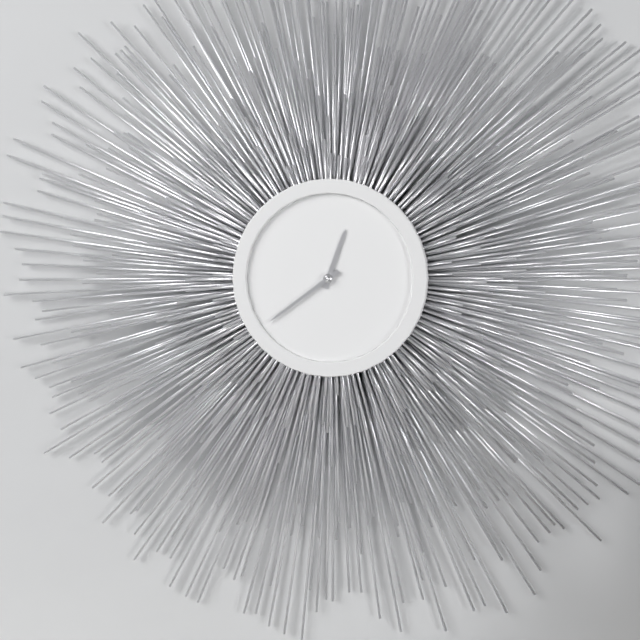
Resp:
h=12 m=39
